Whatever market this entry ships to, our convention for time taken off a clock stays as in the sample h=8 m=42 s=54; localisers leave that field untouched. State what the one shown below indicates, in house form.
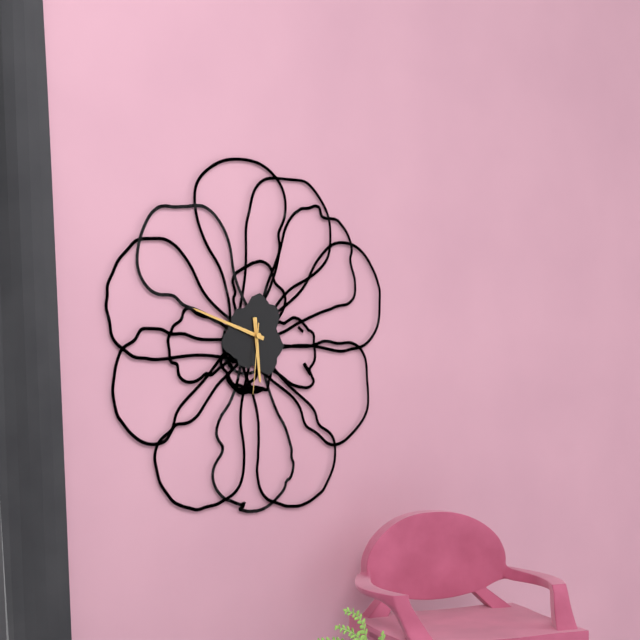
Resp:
h=5 m=48 s=31
